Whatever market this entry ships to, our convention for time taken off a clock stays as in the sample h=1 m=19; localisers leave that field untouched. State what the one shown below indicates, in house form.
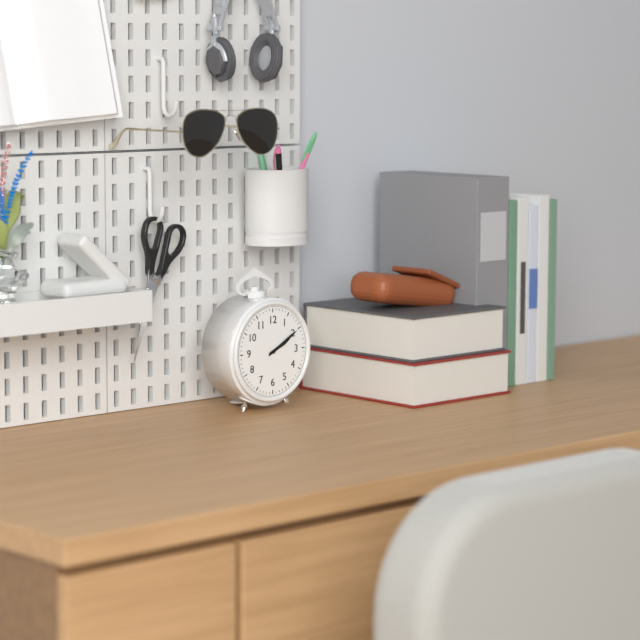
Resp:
h=2 m=10
